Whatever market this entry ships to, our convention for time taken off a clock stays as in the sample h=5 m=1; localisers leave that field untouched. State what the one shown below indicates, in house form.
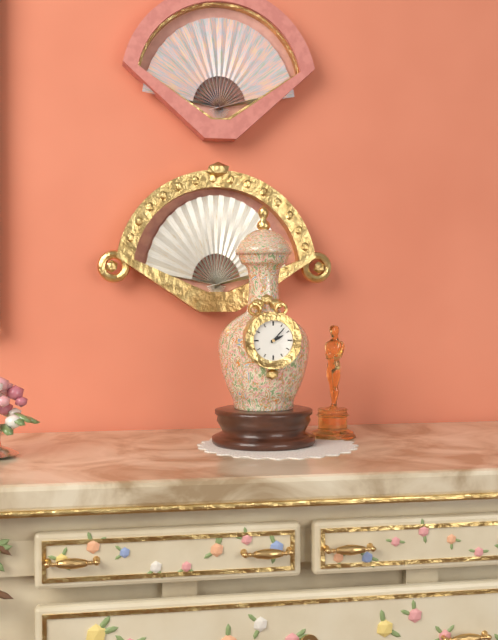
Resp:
h=2 m=7
